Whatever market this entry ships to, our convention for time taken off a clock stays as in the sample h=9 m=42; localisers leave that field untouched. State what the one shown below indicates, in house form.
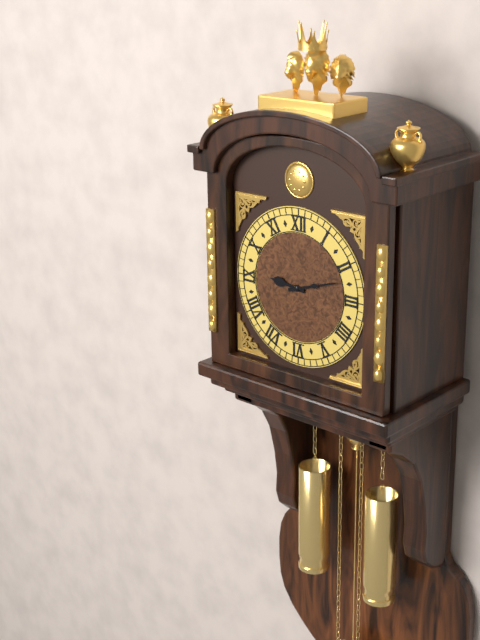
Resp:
h=9 m=12
